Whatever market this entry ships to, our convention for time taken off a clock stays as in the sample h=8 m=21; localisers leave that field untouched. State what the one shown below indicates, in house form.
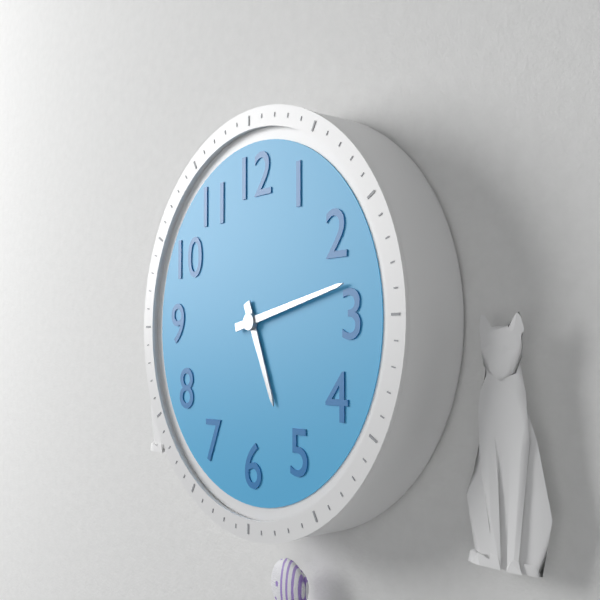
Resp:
h=5 m=13
